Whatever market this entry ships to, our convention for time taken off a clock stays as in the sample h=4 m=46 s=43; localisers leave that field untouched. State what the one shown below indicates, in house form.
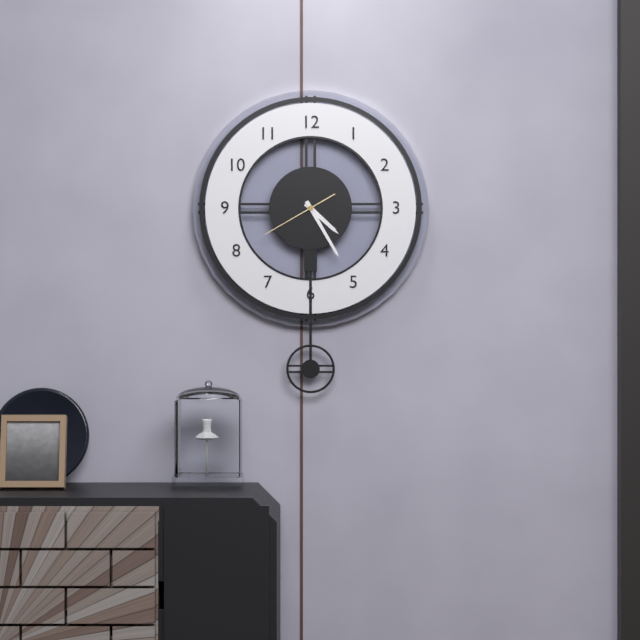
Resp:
h=4 m=25 s=40
